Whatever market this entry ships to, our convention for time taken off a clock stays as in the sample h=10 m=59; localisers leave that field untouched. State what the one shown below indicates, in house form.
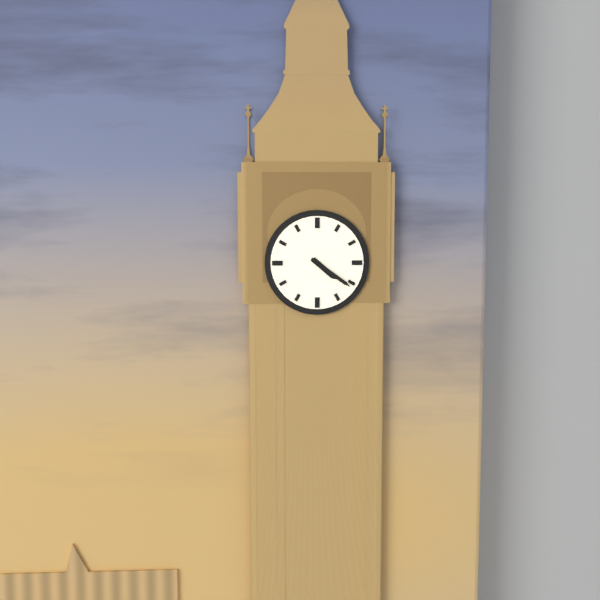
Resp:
h=4 m=21
